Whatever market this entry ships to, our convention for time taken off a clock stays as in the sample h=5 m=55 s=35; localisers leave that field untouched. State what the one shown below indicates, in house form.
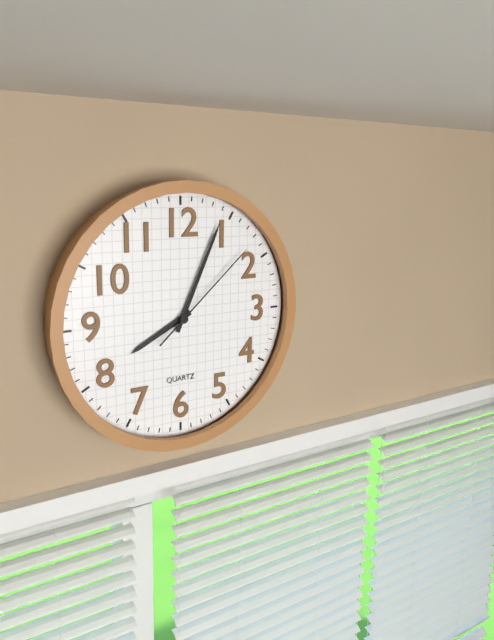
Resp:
h=8 m=4 s=8
